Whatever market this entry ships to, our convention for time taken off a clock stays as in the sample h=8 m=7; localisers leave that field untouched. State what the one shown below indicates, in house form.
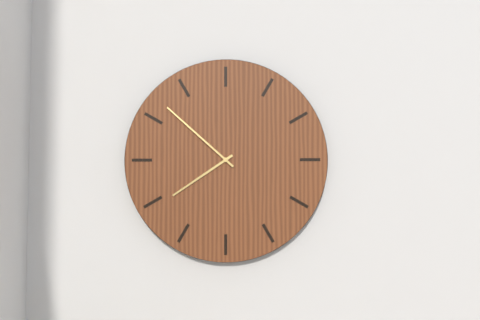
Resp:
h=7 m=52
